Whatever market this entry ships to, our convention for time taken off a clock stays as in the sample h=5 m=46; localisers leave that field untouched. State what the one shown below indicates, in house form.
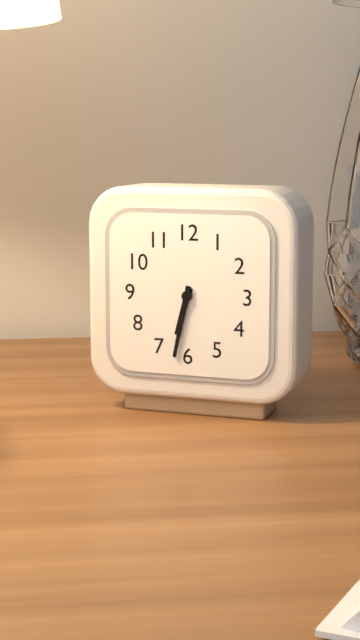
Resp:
h=6 m=32
